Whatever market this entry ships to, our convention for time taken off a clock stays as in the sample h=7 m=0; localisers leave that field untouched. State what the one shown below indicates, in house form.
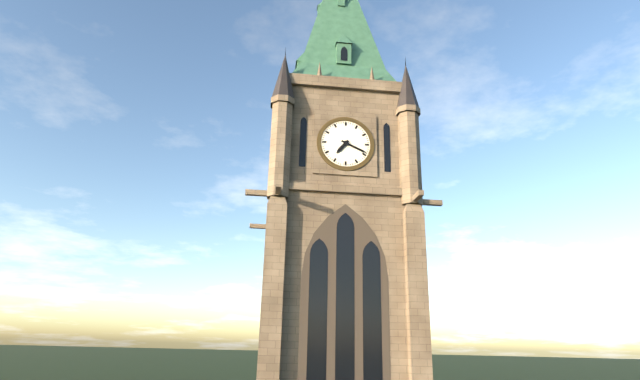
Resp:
h=7 m=19
